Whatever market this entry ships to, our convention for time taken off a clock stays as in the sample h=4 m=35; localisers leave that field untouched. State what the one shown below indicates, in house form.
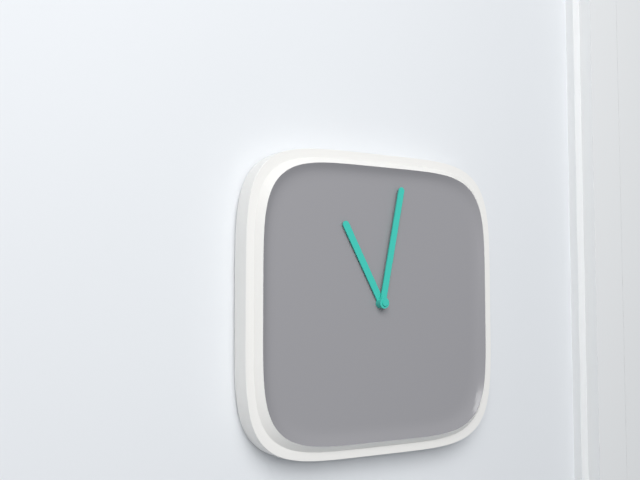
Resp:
h=11 m=2
